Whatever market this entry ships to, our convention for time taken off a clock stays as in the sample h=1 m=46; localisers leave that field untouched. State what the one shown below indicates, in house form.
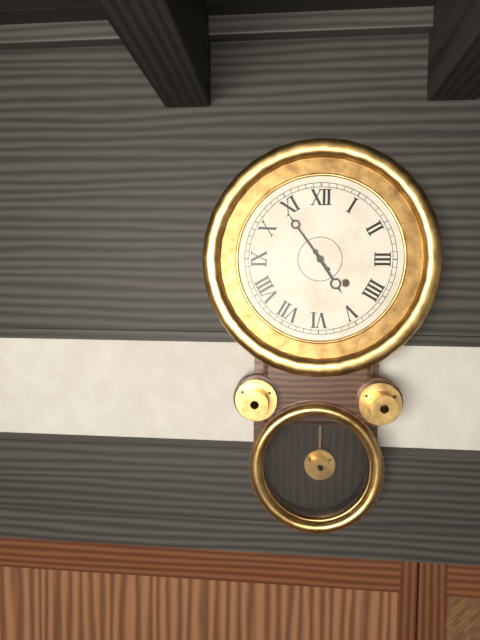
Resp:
h=4 m=54
